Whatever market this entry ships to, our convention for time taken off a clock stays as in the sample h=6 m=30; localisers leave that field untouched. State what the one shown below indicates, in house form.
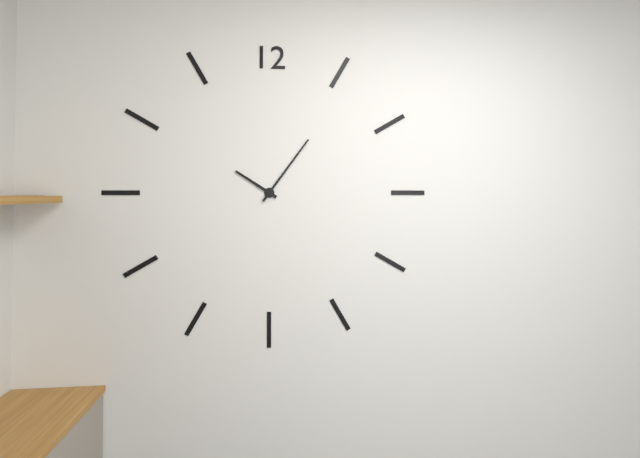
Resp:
h=10 m=6
